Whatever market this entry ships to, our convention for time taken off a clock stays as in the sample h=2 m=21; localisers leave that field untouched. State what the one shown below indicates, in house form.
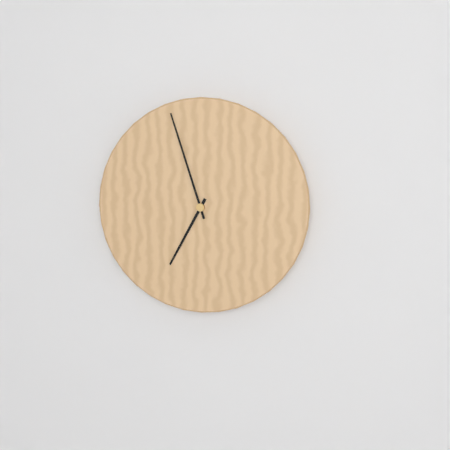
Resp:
h=6 m=57
